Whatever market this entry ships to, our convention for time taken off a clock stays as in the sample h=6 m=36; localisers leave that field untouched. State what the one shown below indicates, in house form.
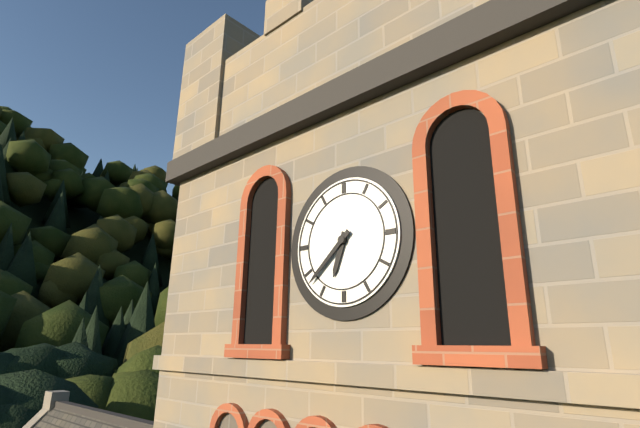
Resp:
h=6 m=38
